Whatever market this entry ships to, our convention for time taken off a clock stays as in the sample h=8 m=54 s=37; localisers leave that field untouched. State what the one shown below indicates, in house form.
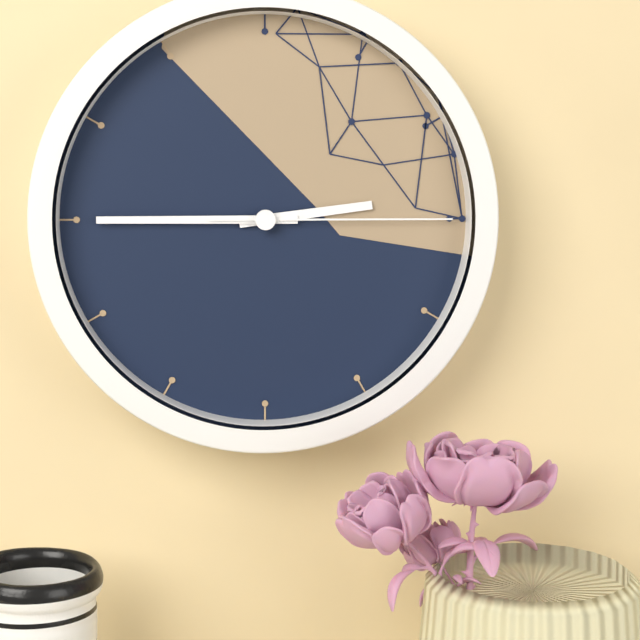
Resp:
h=2 m=45 s=15
